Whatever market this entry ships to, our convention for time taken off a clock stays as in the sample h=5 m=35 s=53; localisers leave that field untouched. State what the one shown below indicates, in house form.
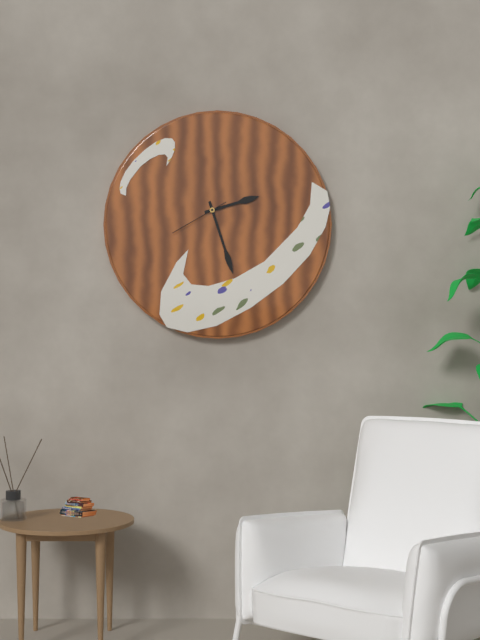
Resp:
h=2 m=27 s=40
